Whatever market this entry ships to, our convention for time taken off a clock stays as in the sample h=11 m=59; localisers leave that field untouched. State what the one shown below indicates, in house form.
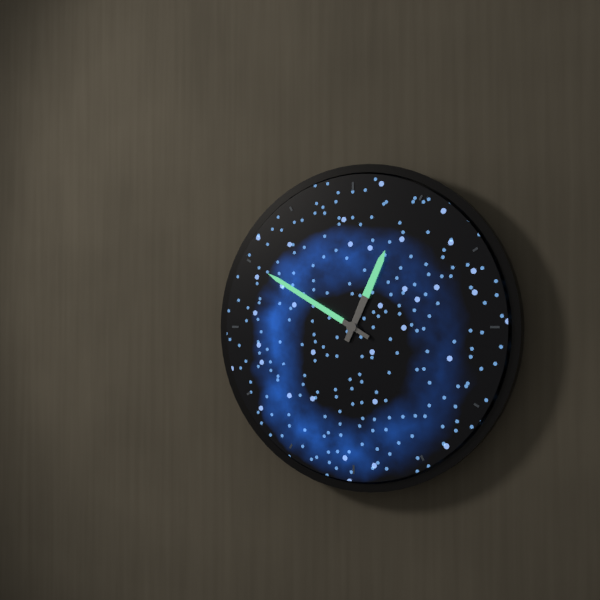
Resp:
h=12 m=50
